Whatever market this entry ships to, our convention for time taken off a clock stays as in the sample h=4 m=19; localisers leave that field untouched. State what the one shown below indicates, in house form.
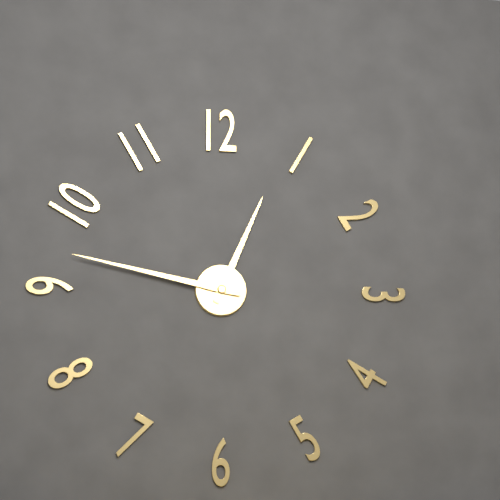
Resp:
h=12 m=47
